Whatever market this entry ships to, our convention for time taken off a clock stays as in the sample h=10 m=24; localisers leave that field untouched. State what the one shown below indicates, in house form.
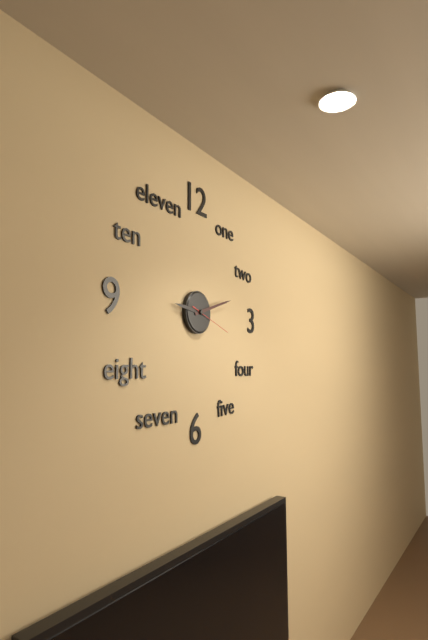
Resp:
h=9 m=12
